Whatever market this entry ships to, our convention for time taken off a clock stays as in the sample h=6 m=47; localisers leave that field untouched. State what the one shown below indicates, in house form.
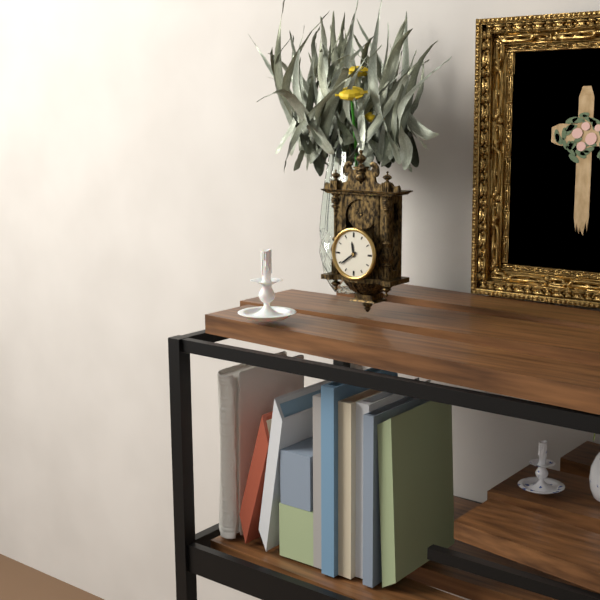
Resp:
h=11 m=39
